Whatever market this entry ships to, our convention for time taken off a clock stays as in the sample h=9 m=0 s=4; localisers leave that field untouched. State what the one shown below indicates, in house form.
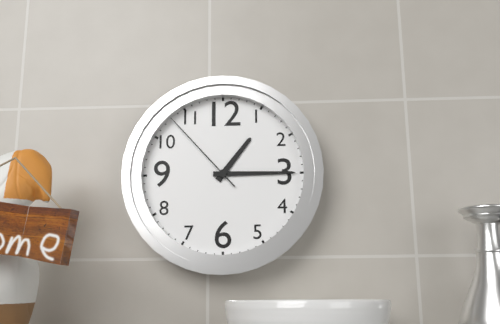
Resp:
h=1 m=15 s=53
